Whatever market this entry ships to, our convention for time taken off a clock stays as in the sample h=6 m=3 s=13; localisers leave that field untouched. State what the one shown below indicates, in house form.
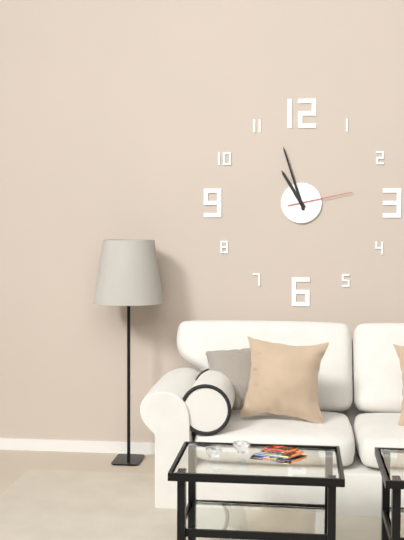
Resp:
h=10 m=57 s=13
